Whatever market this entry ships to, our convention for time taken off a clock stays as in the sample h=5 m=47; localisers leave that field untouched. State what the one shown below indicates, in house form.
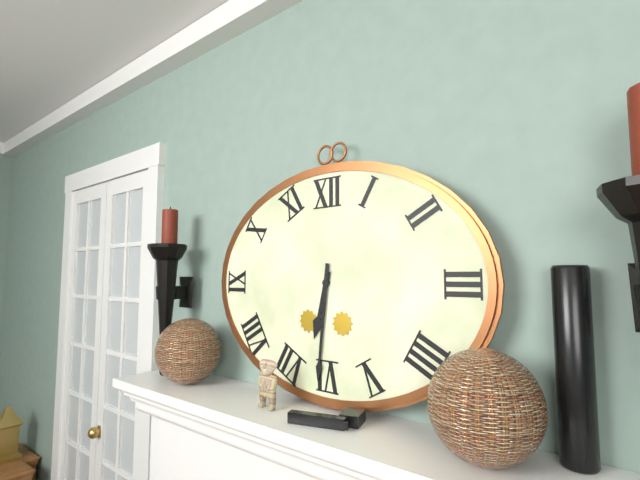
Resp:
h=6 m=31
